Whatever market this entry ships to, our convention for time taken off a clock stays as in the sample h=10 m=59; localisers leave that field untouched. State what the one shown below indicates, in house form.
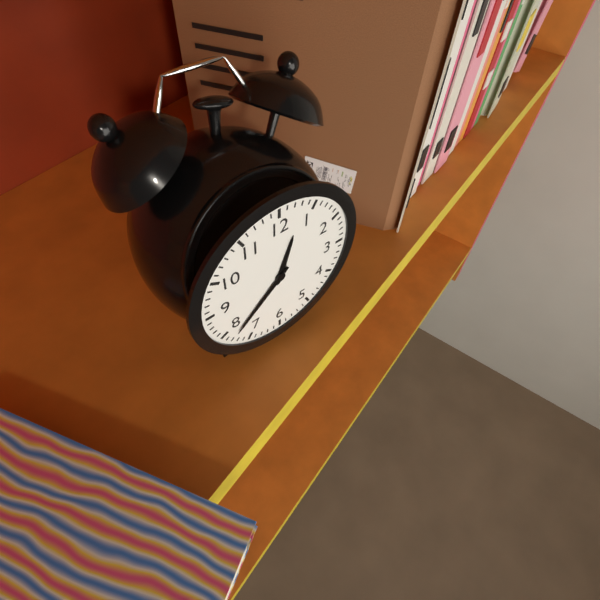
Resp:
h=12 m=38
